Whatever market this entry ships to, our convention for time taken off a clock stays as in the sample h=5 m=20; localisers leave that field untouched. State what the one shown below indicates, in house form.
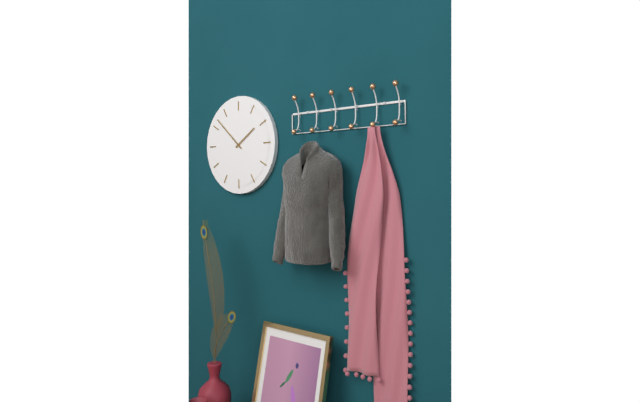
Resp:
h=1 m=52
